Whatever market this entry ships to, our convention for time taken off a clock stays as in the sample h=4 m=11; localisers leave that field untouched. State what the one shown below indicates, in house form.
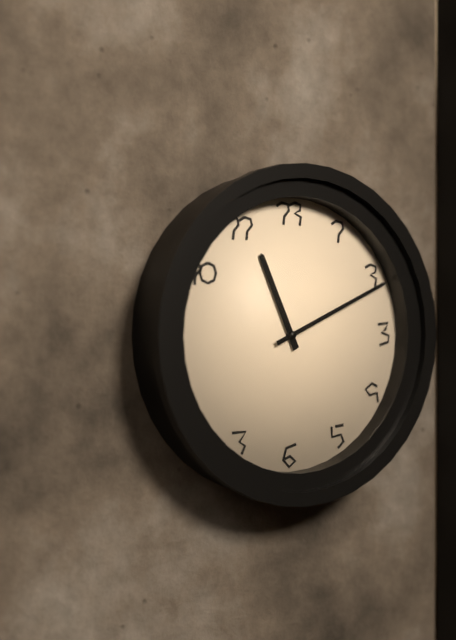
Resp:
h=11 m=11
